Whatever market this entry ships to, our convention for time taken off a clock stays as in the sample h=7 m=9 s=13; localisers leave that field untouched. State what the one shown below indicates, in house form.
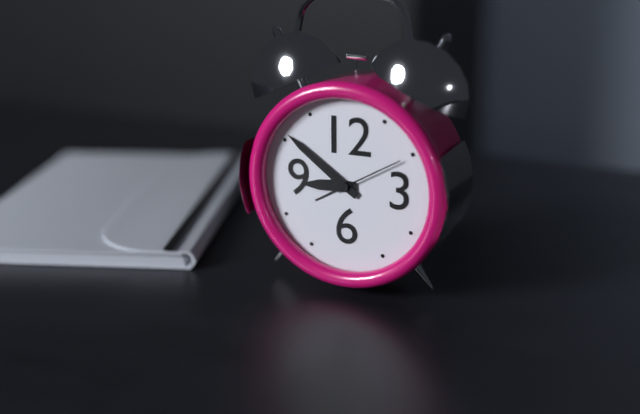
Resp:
h=8 m=51 s=10
